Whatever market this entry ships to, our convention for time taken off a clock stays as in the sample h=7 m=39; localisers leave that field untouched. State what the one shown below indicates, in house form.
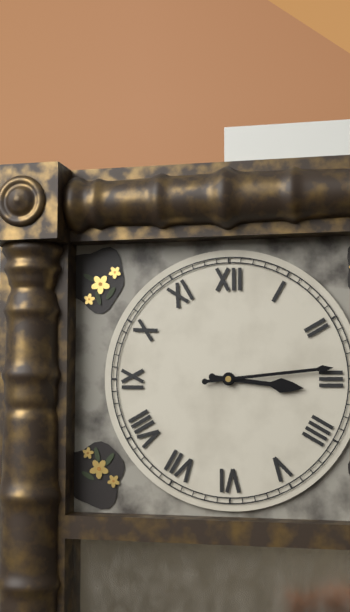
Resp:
h=3 m=14
